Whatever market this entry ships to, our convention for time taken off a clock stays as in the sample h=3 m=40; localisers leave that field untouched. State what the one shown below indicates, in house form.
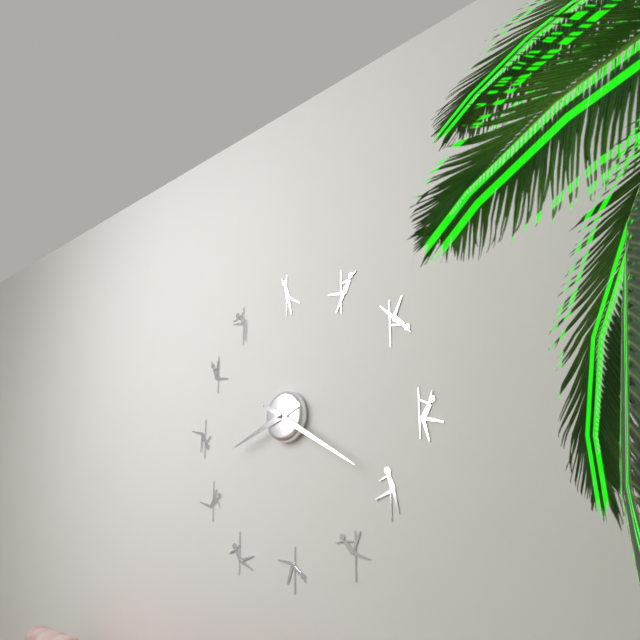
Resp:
h=8 m=20
